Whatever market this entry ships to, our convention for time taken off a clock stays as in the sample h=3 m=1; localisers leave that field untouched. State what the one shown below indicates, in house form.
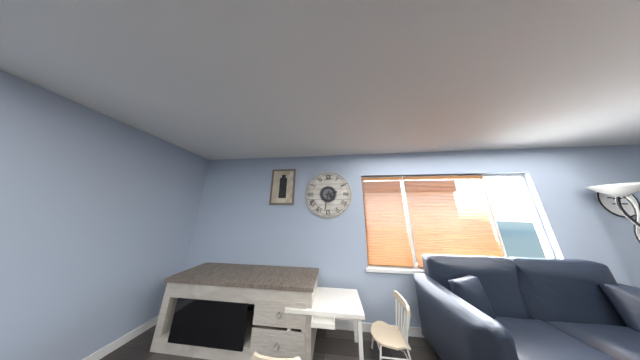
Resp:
h=2 m=32
